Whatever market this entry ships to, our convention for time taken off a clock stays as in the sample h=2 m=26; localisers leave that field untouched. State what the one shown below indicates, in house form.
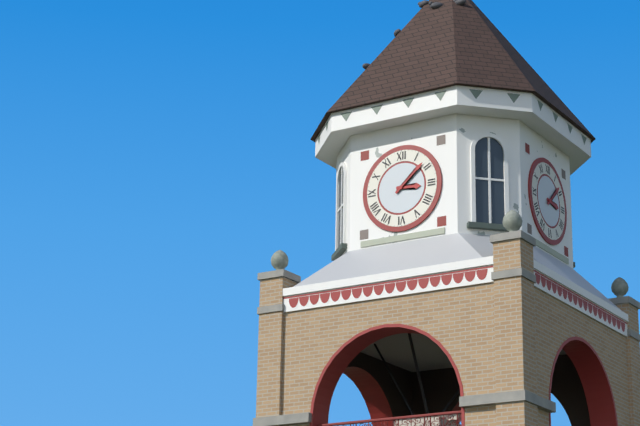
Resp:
h=3 m=8
